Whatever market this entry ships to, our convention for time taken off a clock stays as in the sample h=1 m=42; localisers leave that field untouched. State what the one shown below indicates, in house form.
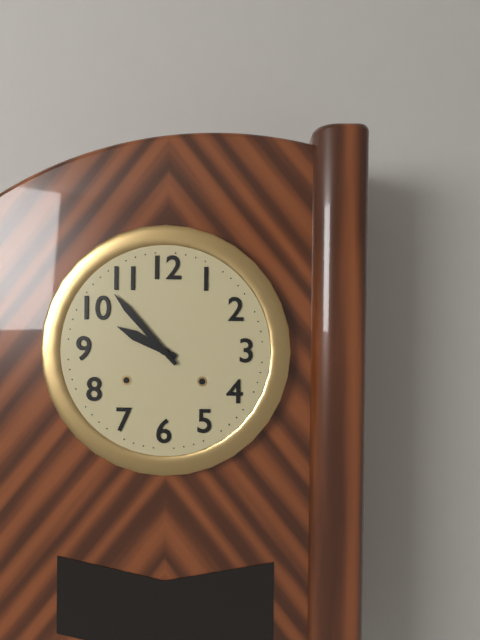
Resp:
h=9 m=53
